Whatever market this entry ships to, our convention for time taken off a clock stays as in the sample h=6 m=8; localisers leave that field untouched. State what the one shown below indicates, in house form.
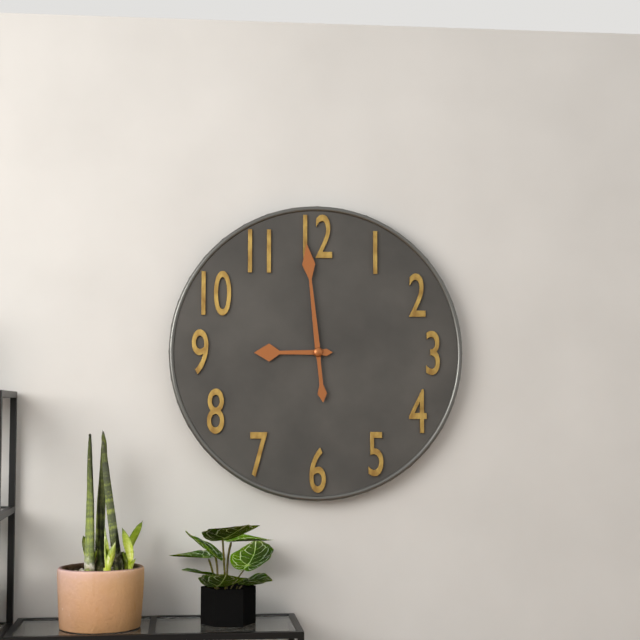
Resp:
h=8 m=59
